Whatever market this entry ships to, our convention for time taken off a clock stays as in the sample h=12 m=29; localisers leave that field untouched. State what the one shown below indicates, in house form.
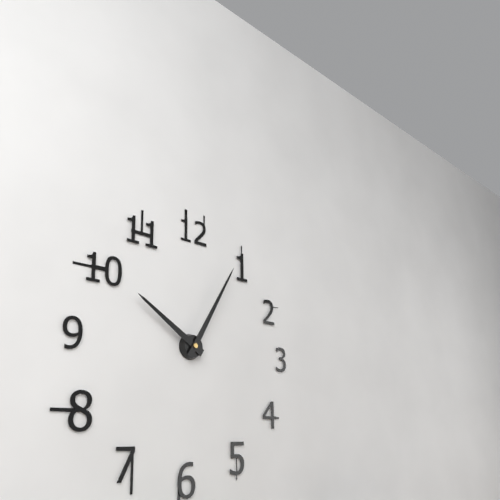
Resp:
h=10 m=5
